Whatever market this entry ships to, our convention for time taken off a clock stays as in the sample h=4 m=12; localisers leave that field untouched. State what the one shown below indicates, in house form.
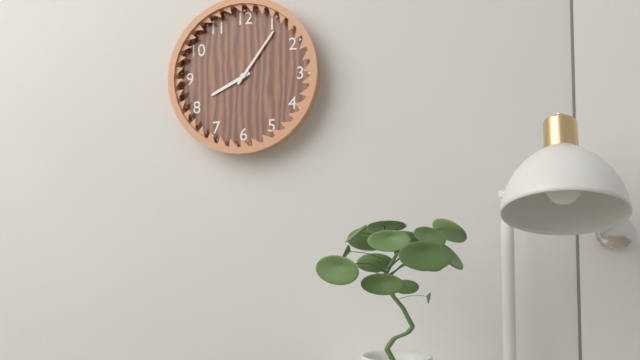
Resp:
h=8 m=6
